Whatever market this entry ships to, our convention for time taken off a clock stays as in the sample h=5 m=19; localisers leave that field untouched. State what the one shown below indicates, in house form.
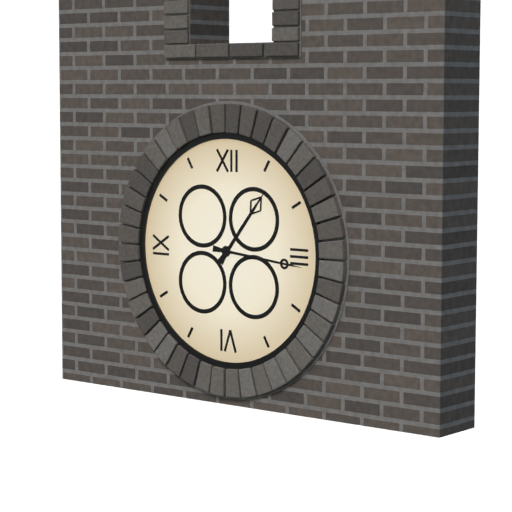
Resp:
h=1 m=16
